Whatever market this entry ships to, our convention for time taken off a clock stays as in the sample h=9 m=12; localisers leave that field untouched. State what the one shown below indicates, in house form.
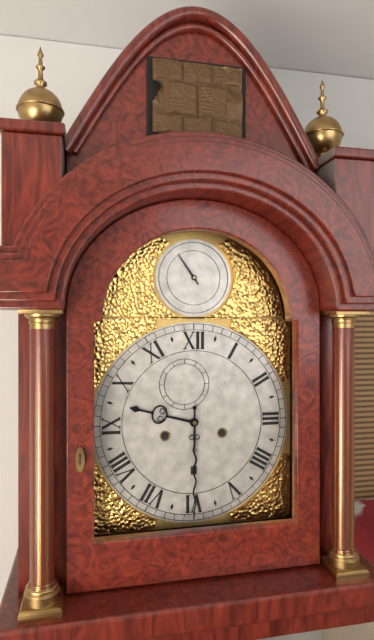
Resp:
h=9 m=30
